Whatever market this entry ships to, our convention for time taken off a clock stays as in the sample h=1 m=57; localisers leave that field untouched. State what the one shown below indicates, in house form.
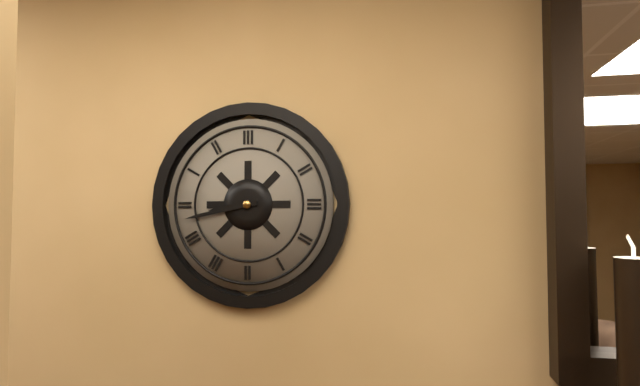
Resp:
h=8 m=43
